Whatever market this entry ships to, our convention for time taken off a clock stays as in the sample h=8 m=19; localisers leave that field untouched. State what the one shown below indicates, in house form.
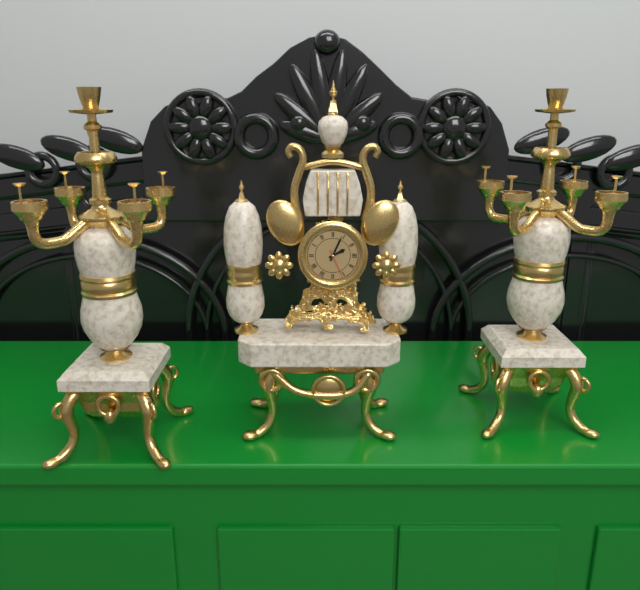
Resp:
h=2 m=4
